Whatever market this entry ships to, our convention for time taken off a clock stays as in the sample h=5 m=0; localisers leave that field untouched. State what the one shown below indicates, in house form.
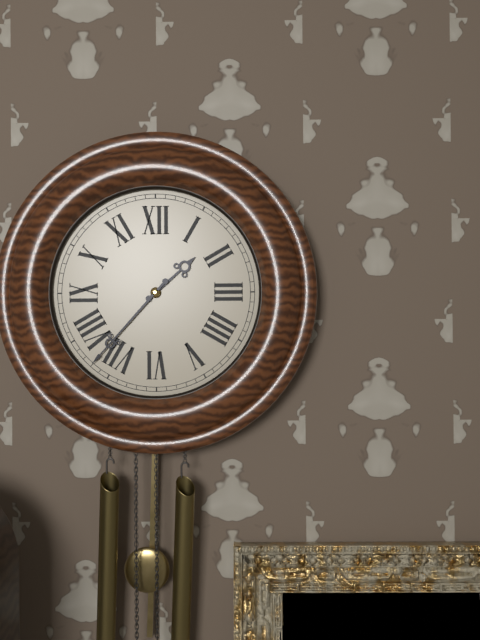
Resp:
h=1 m=37
